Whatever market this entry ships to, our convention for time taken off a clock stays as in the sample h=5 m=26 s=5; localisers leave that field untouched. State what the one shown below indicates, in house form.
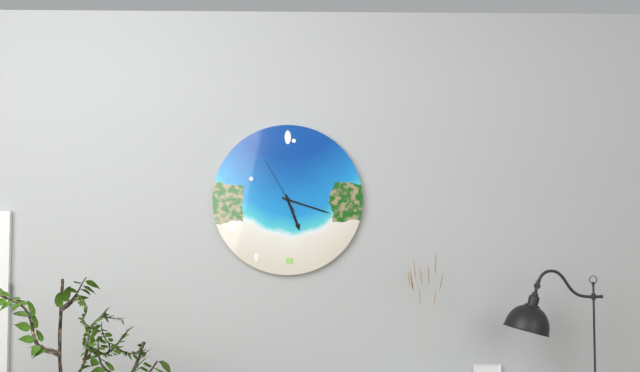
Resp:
h=5 m=18 s=55
